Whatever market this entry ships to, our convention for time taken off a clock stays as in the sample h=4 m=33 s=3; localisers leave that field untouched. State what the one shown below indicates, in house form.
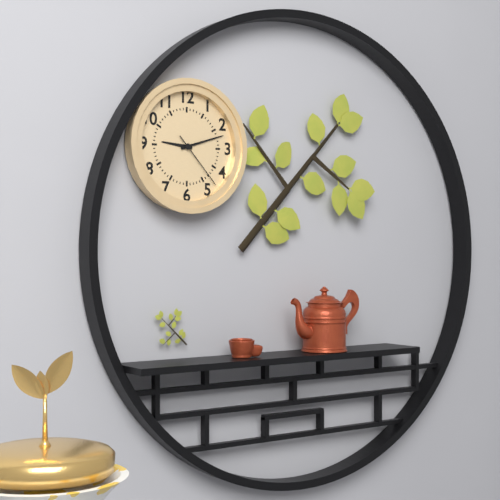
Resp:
h=9 m=12 s=23
